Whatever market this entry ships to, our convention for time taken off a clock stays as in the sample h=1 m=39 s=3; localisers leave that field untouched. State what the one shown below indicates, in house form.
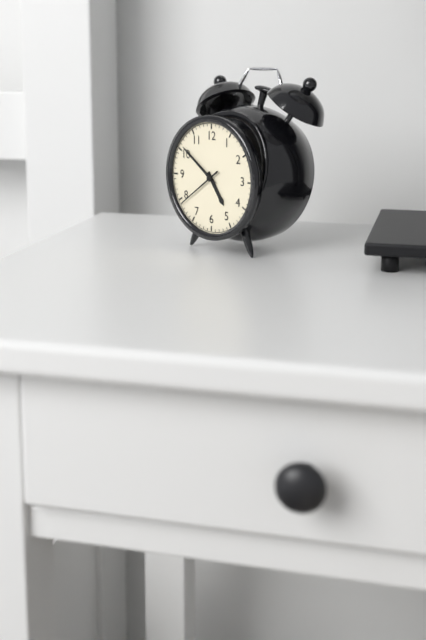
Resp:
h=4 m=51 s=39
